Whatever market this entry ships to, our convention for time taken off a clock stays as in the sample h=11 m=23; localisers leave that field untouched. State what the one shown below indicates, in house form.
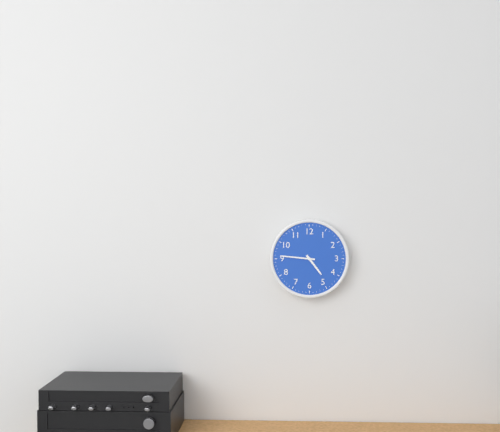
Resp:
h=4 m=46
